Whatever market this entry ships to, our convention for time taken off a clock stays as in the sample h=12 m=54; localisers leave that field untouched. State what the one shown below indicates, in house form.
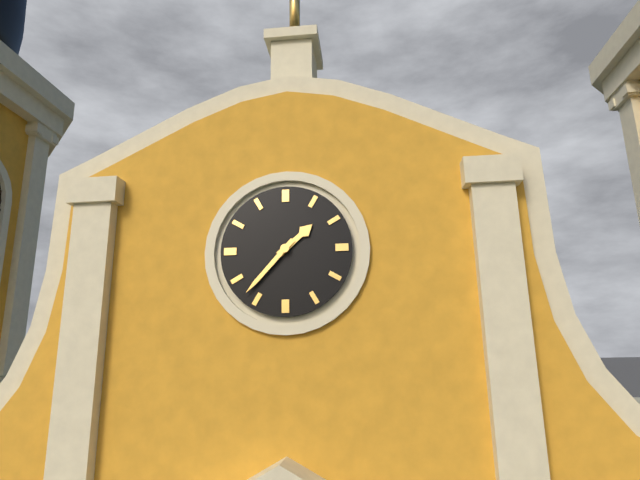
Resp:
h=1 m=37
